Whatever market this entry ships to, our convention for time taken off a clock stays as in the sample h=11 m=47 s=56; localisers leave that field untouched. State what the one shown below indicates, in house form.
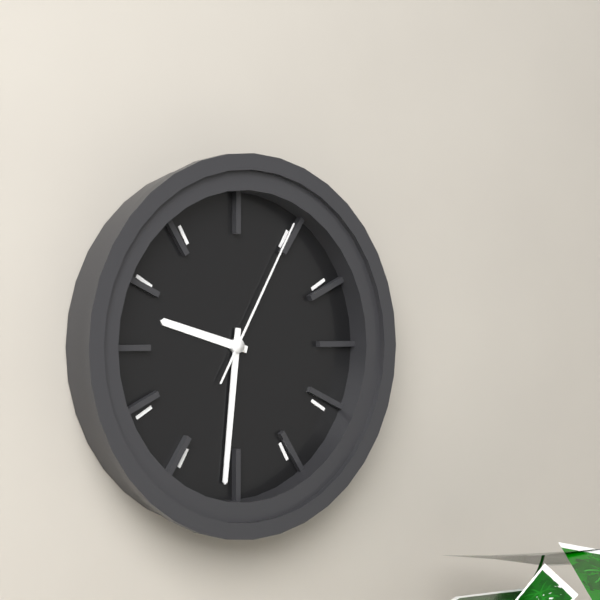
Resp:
h=9 m=31 s=5
